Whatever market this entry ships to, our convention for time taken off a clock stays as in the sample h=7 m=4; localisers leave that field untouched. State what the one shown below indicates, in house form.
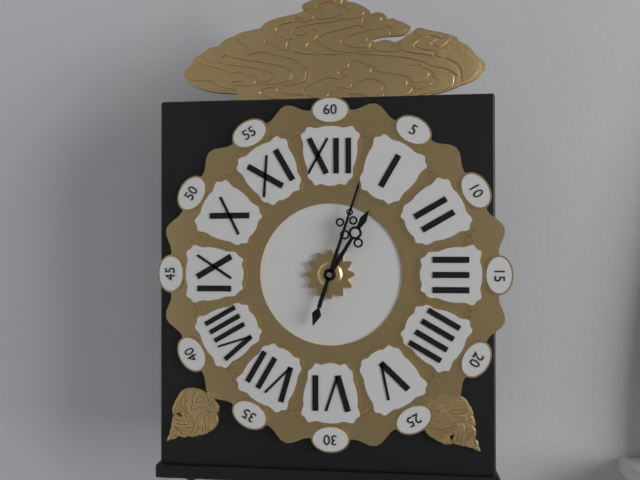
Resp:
h=1 m=3
